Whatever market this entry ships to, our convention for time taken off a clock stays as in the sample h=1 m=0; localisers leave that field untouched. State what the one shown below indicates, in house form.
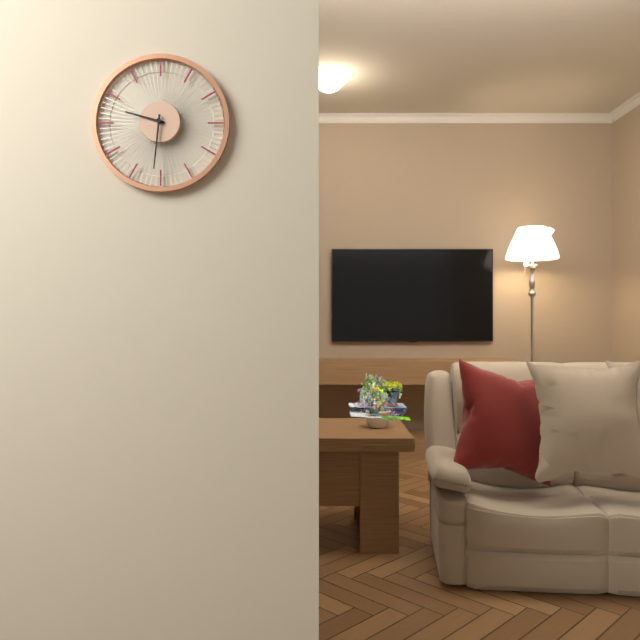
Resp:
h=9 m=31
